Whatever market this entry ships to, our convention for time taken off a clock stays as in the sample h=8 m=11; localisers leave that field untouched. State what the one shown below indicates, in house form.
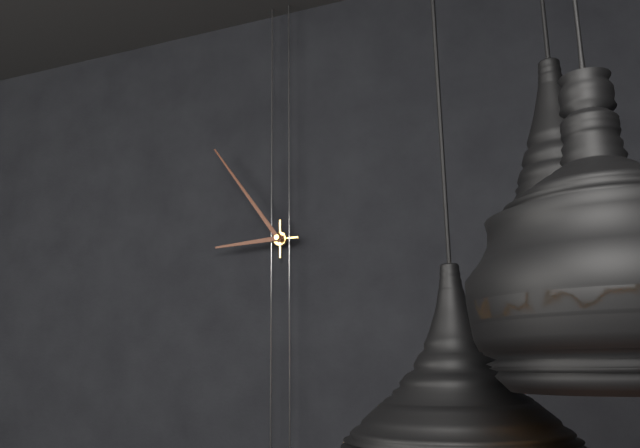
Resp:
h=8 m=54
